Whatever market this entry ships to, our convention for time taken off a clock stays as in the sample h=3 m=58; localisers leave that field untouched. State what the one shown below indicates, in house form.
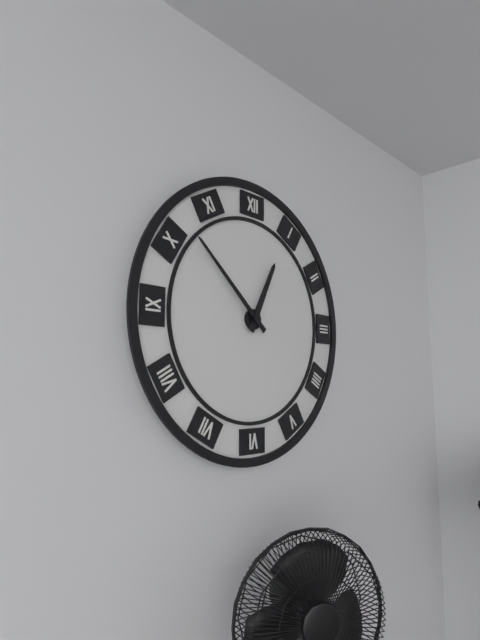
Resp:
h=12 m=52
